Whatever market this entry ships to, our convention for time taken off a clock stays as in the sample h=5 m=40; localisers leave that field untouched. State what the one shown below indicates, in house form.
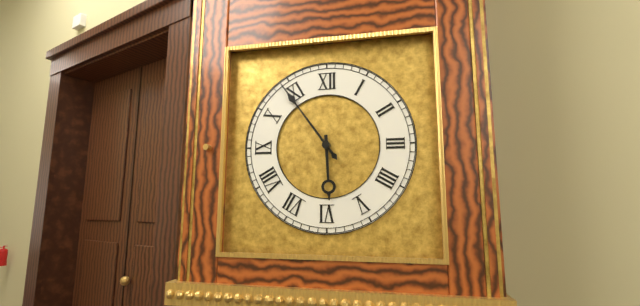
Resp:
h=5 m=54
